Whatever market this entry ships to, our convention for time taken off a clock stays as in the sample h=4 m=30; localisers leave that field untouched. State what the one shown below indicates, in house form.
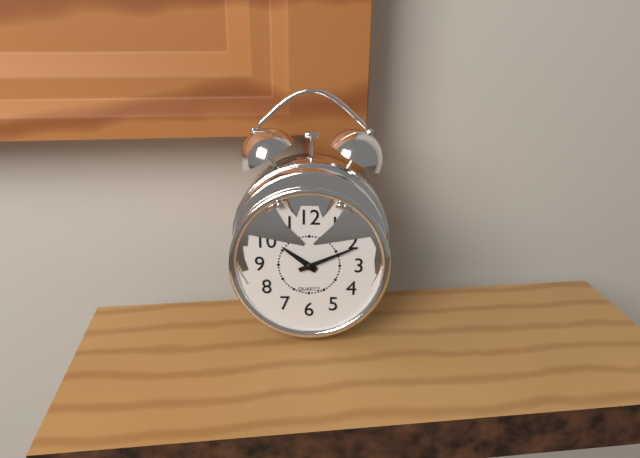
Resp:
h=10 m=11
